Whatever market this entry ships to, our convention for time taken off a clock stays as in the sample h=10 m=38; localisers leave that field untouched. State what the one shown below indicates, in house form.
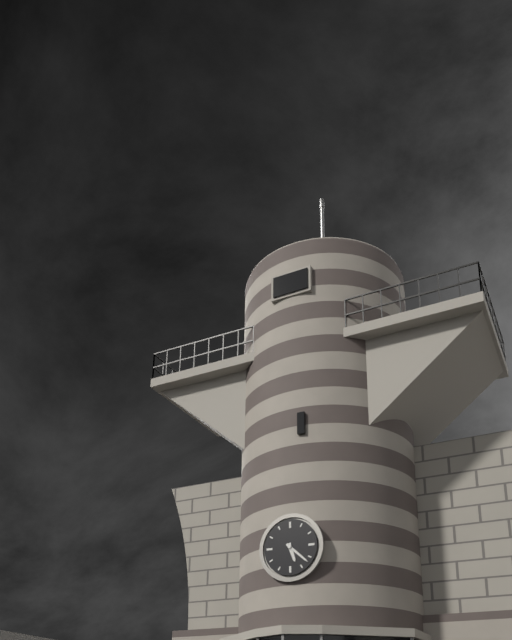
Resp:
h=5 m=22
